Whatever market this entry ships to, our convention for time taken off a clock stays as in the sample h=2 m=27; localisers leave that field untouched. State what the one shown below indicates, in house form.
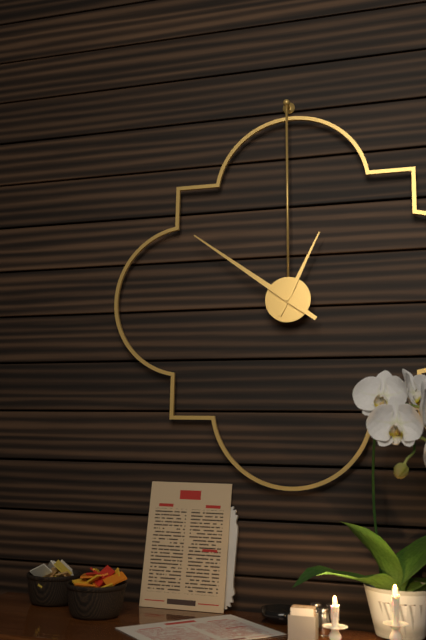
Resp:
h=12 m=51
